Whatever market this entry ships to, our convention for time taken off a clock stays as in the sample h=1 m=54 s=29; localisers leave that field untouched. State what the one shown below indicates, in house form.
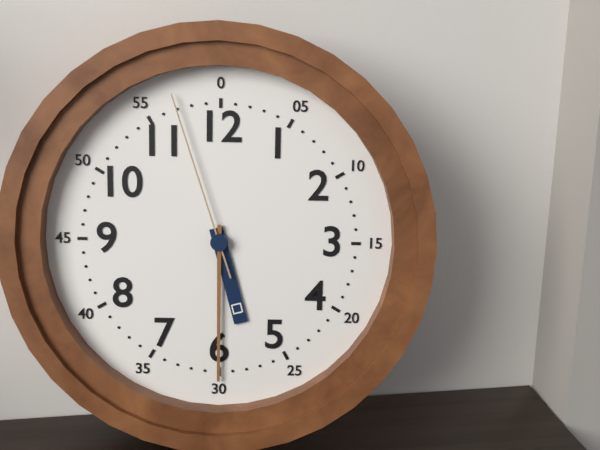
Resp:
h=5 m=30 s=57
